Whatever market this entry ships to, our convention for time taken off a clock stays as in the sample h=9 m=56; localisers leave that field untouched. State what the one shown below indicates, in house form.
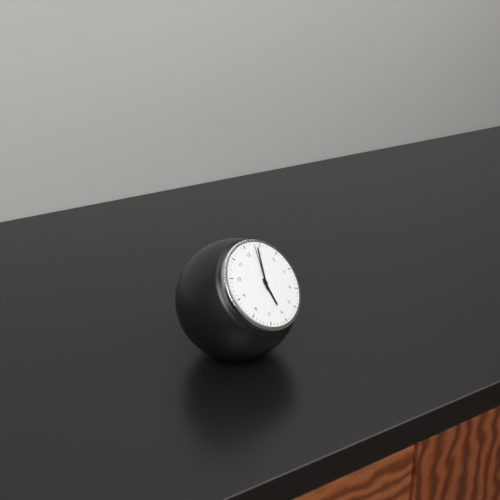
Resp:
h=6 m=4
